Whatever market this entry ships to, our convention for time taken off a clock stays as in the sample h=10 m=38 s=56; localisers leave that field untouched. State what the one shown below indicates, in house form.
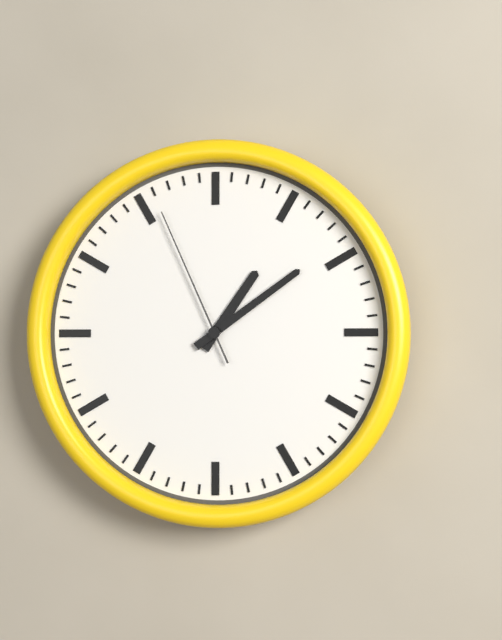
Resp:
h=1 m=9 s=56
